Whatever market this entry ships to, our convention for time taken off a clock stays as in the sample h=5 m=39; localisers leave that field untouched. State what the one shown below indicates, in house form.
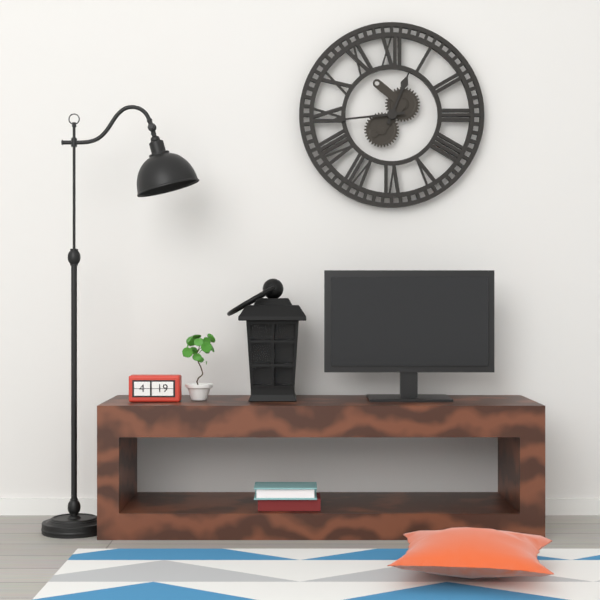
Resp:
h=12 m=44
